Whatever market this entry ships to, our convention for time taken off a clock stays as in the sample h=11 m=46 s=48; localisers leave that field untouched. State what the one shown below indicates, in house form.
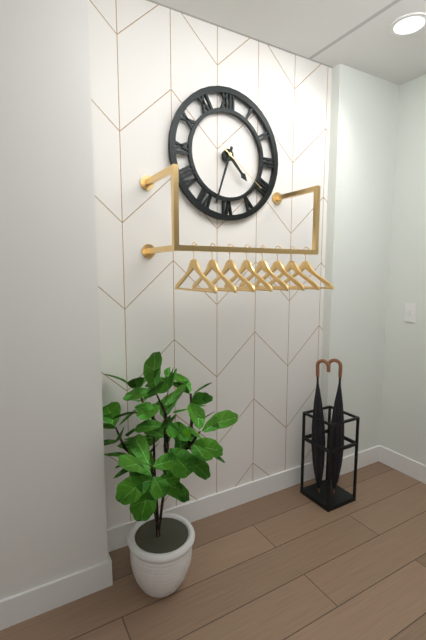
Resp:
h=4 m=33 s=21
